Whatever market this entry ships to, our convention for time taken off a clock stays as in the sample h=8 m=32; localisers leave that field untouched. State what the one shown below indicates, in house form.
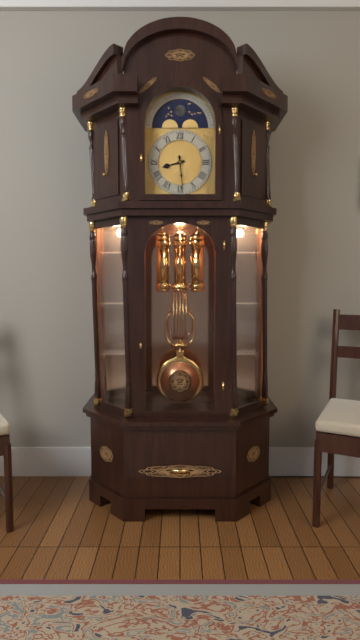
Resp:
h=8 m=29
